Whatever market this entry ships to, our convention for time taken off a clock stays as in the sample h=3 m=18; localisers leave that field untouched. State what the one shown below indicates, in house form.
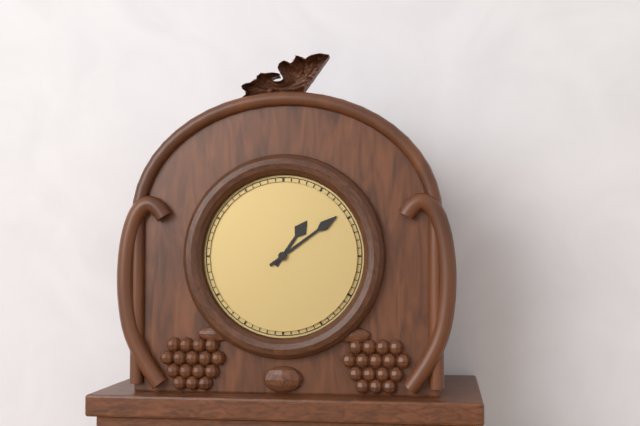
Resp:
h=1 m=9
